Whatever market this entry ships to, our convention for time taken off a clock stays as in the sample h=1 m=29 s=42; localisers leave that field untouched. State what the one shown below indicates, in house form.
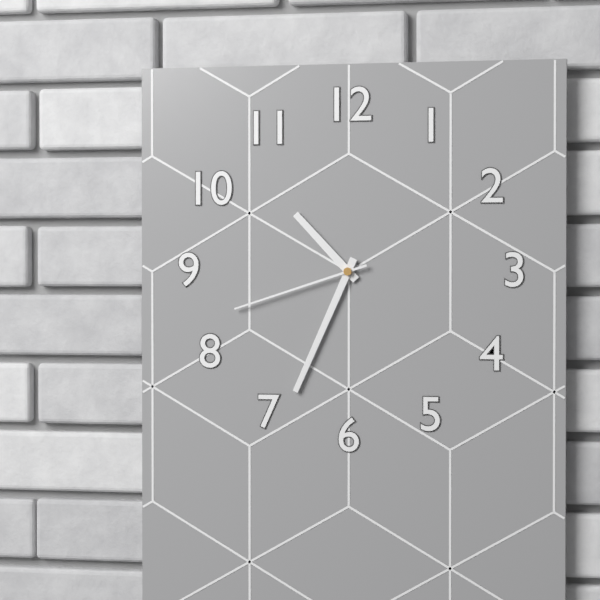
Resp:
h=10 m=34 s=42
